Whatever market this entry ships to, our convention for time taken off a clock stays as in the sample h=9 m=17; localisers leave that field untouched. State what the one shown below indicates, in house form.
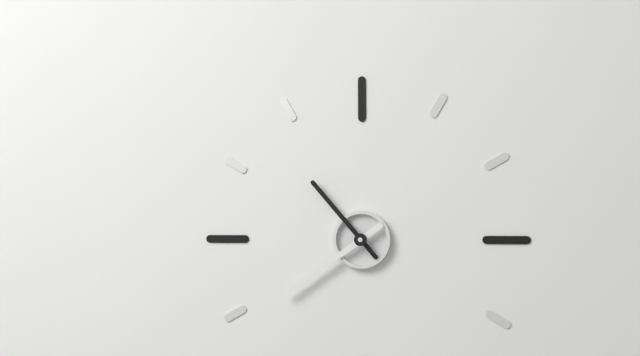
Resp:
h=10 m=39
